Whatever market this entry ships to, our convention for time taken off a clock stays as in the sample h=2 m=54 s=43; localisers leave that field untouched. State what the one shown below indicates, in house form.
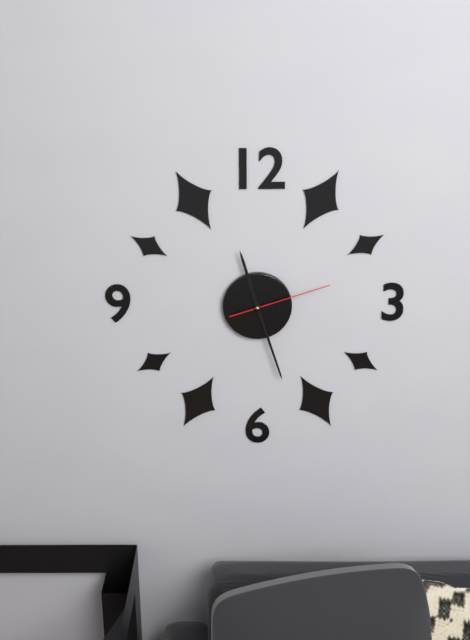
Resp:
h=11 m=27 s=12
